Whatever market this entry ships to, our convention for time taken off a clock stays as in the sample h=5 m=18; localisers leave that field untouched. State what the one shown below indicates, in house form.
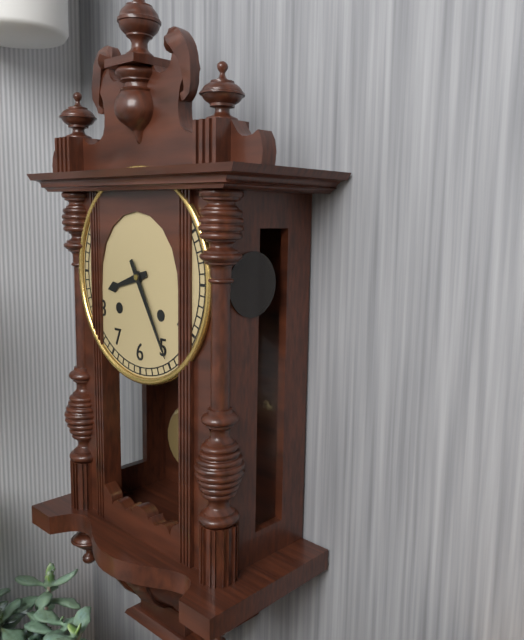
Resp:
h=8 m=25
